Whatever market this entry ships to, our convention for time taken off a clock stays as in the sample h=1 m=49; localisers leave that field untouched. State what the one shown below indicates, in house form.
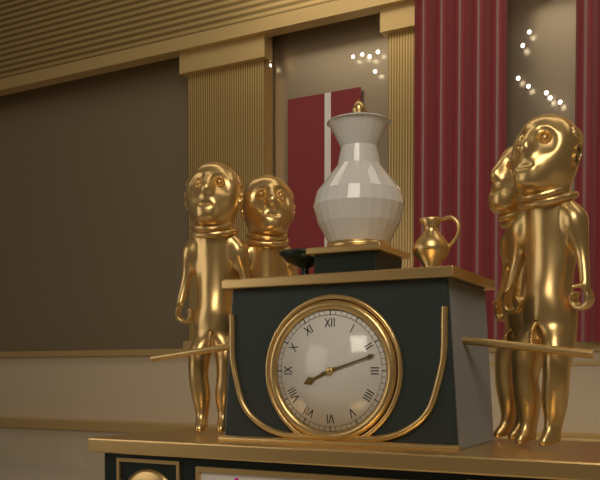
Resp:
h=8 m=12
